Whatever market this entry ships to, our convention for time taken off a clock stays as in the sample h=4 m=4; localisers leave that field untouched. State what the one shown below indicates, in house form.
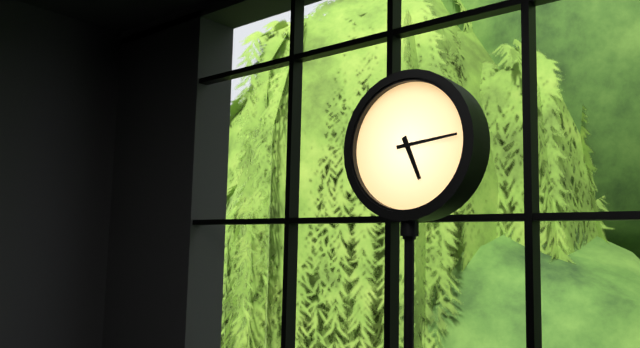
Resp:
h=5 m=14
